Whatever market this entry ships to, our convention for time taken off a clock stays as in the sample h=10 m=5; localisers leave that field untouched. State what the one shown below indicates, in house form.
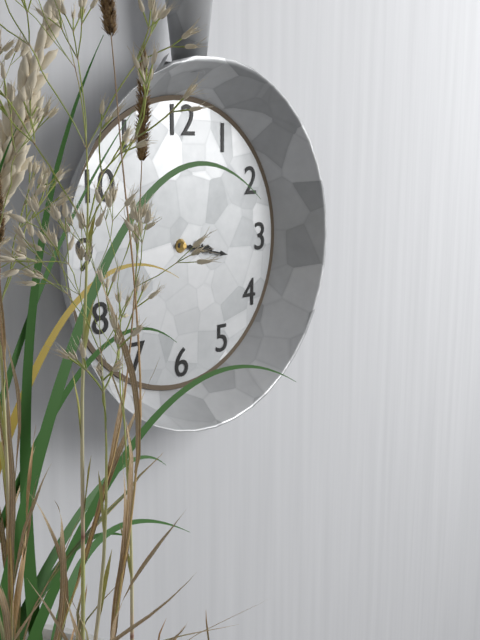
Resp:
h=3 m=17
